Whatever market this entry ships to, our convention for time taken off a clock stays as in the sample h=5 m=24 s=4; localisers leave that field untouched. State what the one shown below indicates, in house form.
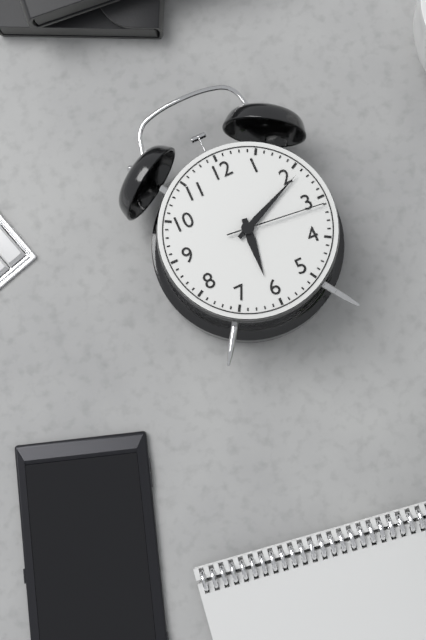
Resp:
h=6 m=11 s=16
